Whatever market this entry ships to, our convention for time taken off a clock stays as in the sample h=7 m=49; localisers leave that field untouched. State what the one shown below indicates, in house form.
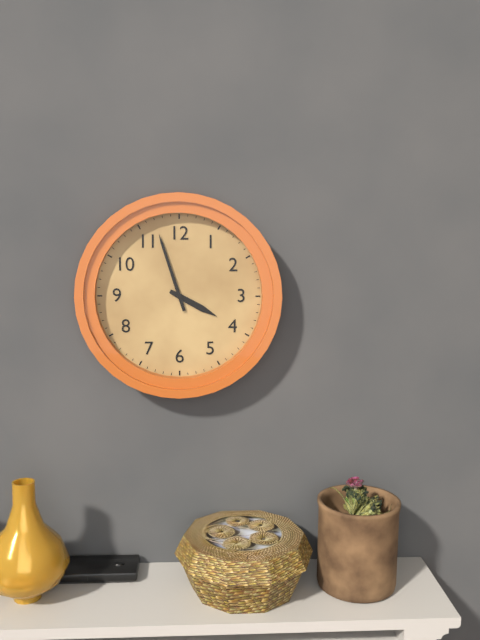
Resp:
h=3 m=57
